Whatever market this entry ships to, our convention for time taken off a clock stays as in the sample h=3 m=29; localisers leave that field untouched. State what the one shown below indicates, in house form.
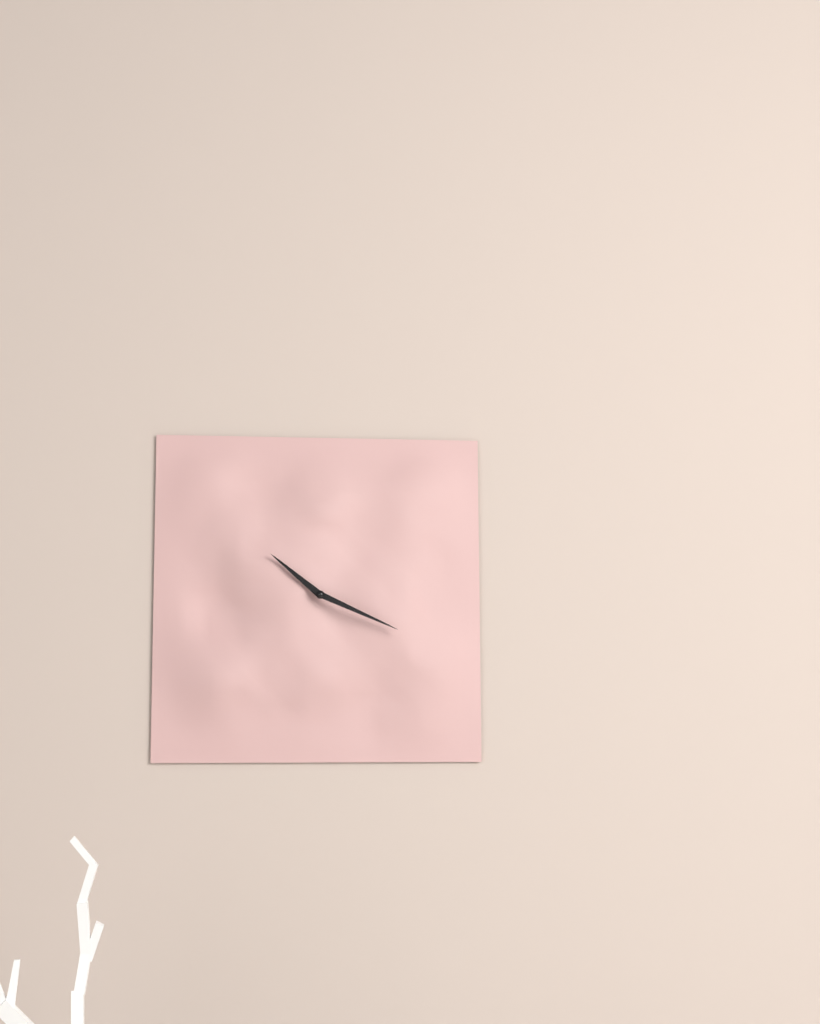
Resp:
h=10 m=19
